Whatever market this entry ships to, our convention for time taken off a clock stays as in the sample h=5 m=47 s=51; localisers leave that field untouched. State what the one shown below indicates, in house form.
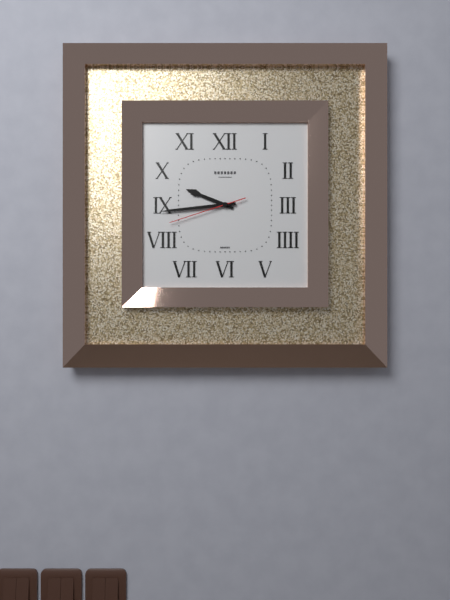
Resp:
h=9 m=44 s=42
